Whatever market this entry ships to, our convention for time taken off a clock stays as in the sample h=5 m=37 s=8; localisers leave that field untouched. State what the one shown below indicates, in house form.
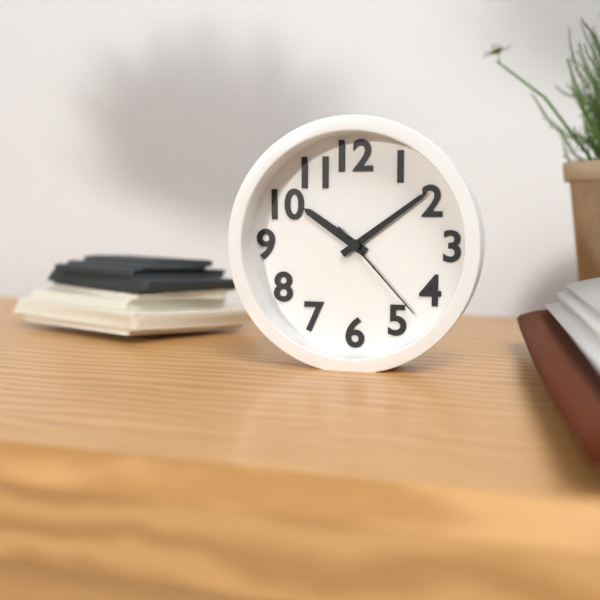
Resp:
h=10 m=9 s=23
